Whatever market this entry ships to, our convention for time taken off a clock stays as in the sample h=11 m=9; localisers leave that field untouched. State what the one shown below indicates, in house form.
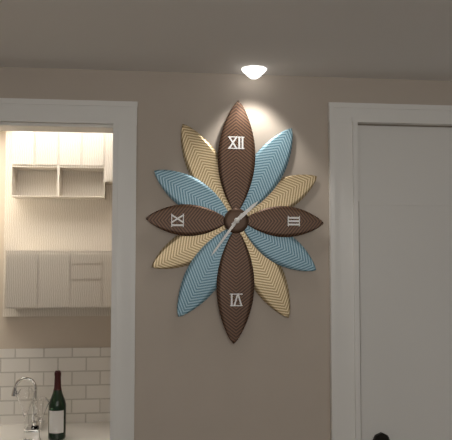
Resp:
h=1 m=36
